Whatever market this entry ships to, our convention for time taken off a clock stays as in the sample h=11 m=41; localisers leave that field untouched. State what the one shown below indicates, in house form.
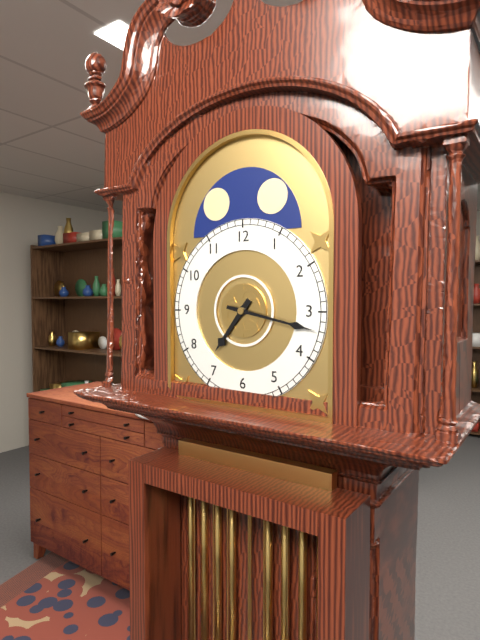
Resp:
h=7 m=17
